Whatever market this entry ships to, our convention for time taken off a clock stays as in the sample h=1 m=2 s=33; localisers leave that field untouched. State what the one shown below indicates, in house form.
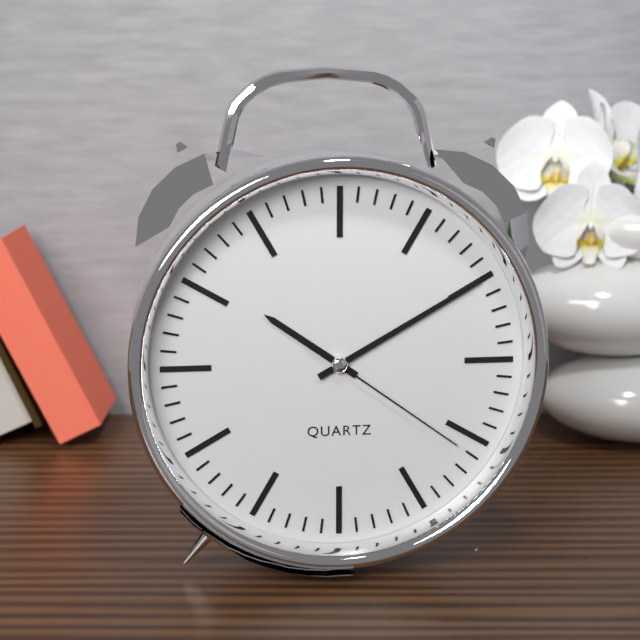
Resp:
h=10 m=10 s=21
